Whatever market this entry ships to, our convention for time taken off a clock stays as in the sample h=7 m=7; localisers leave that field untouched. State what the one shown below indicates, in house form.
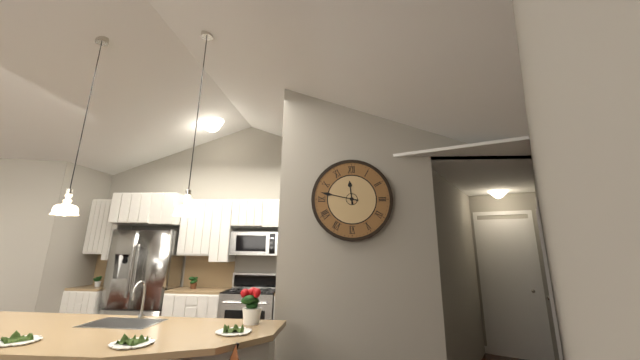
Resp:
h=11 m=47
